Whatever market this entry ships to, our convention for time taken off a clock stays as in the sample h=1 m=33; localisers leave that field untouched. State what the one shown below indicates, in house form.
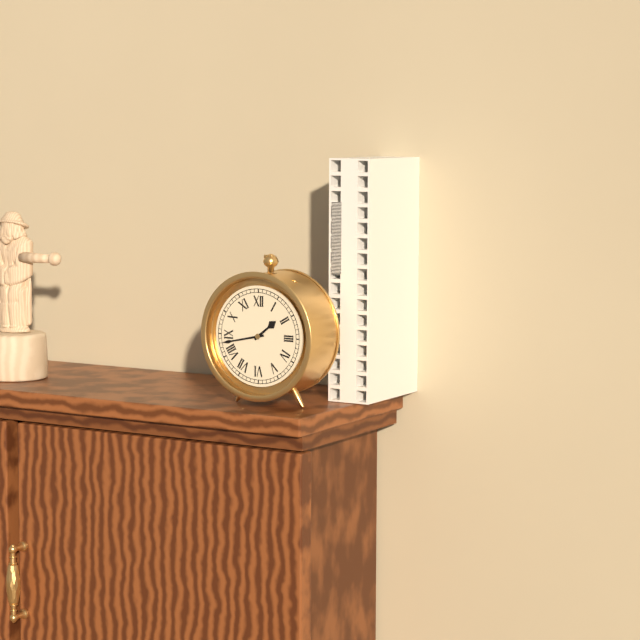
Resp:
h=1 m=43
